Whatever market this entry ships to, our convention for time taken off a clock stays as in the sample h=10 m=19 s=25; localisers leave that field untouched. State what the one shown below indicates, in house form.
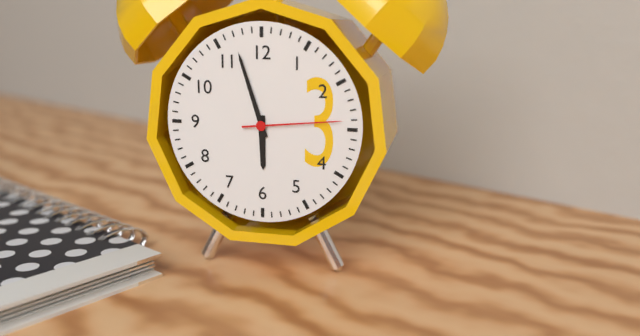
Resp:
h=5 m=57 s=14
